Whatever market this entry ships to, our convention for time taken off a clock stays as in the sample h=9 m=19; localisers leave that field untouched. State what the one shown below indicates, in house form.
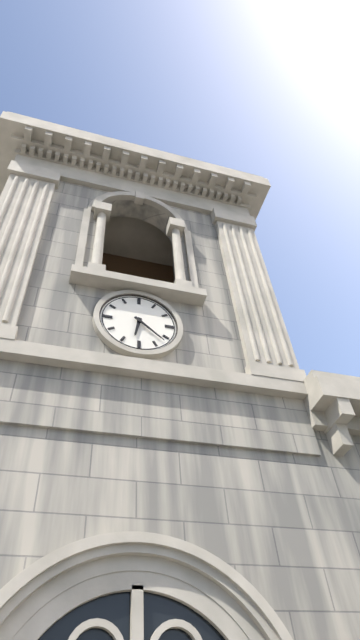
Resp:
h=6 m=22
